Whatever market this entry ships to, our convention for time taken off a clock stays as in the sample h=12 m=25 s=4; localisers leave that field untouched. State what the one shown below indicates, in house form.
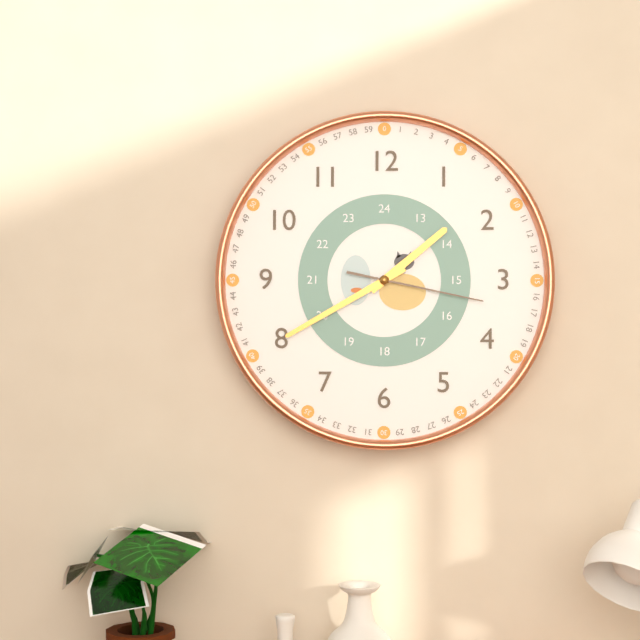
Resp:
h=1 m=40 s=17
